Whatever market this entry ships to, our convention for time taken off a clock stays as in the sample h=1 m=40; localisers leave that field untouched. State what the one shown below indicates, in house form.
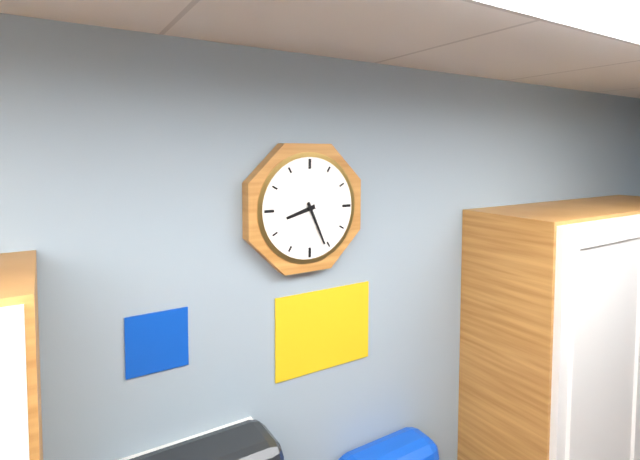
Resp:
h=8 m=26
